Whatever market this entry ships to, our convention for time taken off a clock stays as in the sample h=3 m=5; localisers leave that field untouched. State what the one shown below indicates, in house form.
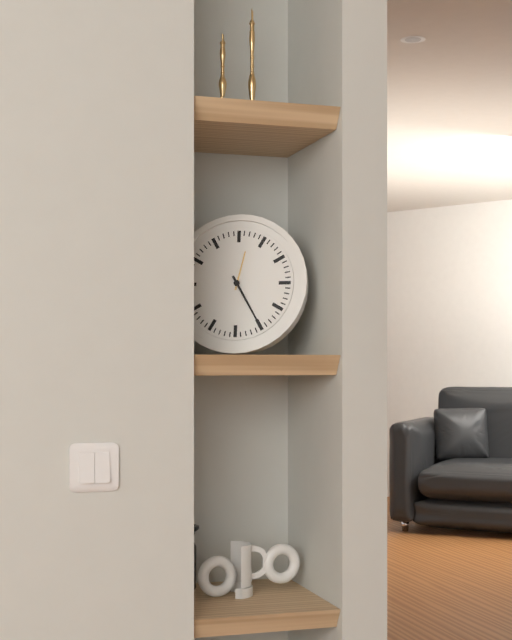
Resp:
h=12 m=25
